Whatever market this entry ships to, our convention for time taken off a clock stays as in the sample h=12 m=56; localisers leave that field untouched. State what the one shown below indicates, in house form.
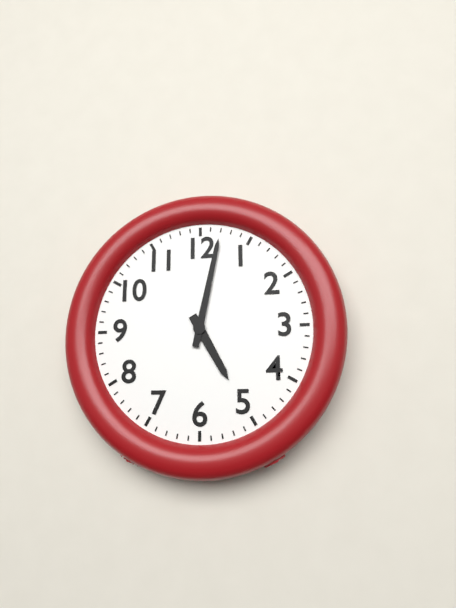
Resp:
h=5 m=2
